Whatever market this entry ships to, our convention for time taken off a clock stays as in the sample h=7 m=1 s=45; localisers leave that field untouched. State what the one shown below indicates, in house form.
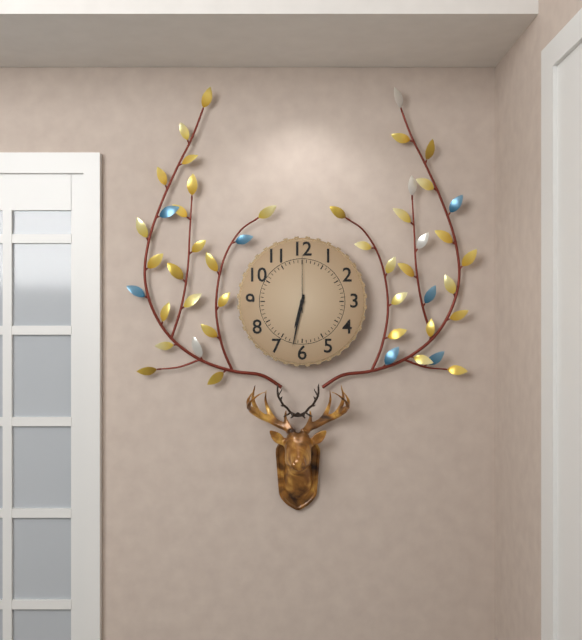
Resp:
h=6 m=32 s=0
